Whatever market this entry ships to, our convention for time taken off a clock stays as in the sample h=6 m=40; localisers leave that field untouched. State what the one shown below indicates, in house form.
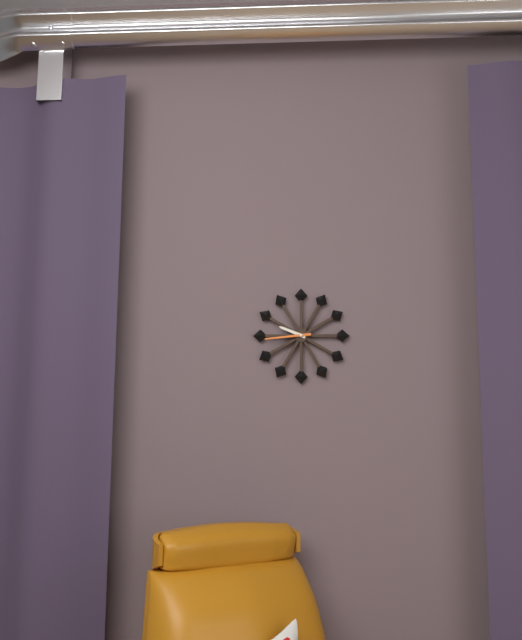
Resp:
h=9 m=44
